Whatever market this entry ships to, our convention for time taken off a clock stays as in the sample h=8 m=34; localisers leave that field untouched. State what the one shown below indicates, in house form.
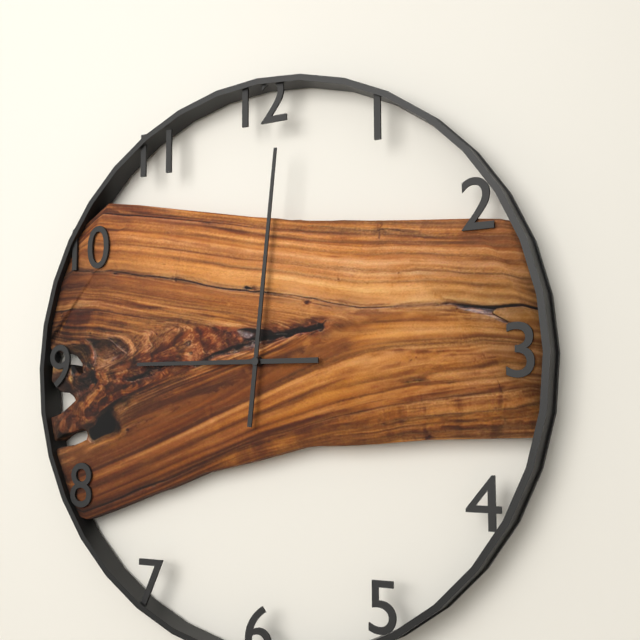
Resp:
h=9 m=1
